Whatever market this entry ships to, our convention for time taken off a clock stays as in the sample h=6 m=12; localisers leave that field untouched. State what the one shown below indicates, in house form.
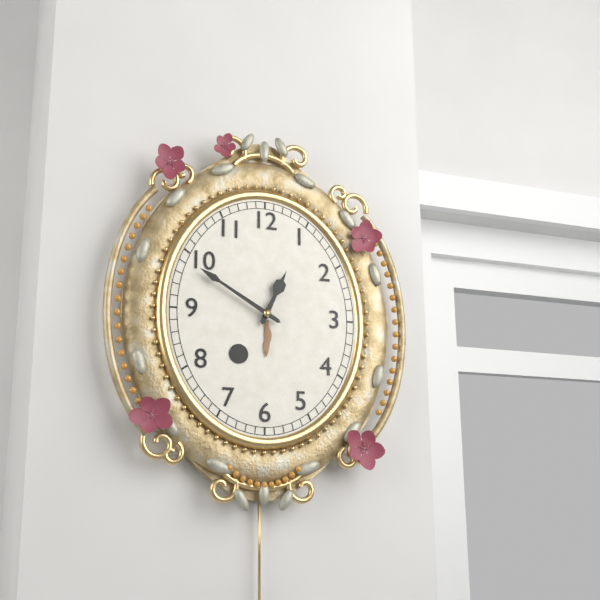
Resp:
h=12 m=50
